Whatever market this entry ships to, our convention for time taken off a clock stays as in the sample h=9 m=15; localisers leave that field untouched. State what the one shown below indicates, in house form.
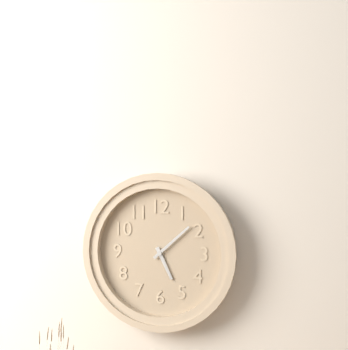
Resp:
h=5 m=8
